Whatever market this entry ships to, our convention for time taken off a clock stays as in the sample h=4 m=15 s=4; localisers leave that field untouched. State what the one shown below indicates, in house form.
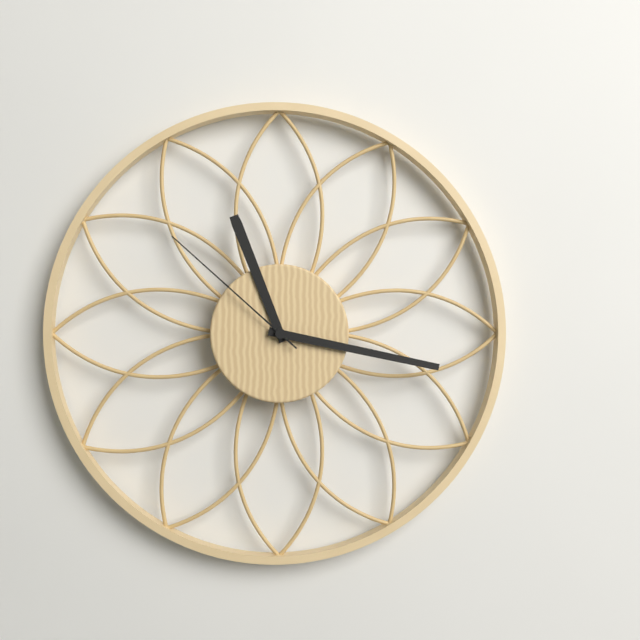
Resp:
h=11 m=17 s=52
